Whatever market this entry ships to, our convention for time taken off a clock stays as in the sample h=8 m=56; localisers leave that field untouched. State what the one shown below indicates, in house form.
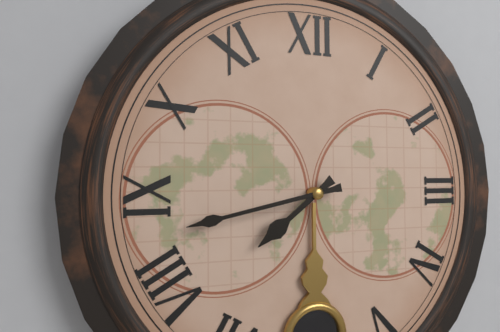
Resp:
h=7 m=43
